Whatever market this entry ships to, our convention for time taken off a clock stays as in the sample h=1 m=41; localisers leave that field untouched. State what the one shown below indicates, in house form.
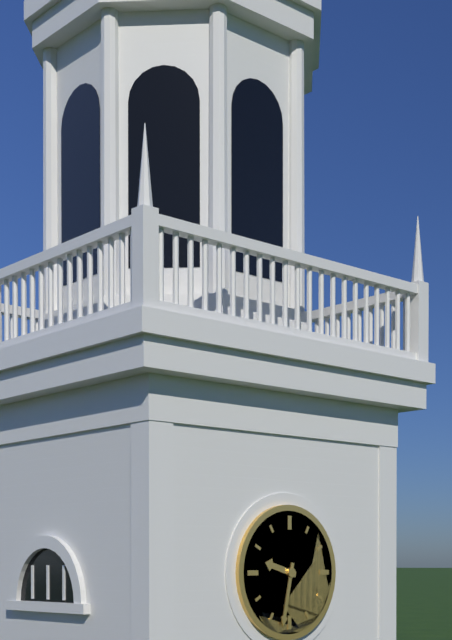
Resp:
h=9 m=32
